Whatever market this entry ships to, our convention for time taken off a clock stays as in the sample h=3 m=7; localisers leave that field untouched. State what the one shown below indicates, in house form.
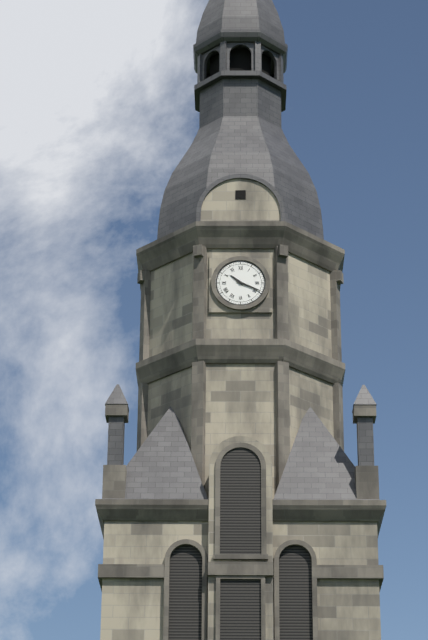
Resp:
h=10 m=19
